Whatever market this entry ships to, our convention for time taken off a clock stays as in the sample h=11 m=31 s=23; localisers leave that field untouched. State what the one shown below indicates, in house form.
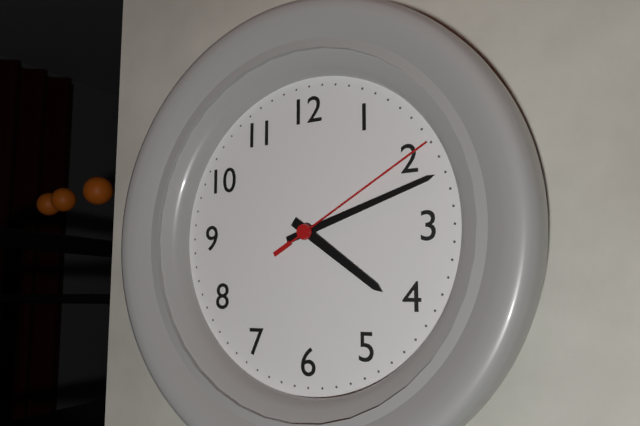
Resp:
h=4 m=12 s=10
